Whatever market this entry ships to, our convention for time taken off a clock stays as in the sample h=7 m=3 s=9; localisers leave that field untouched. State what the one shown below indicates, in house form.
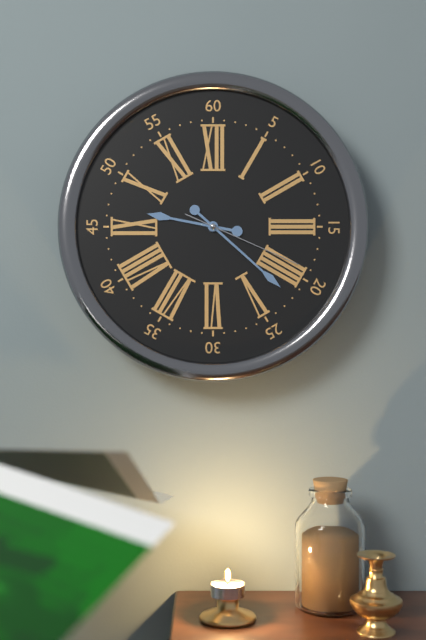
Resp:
h=9 m=22 s=19
